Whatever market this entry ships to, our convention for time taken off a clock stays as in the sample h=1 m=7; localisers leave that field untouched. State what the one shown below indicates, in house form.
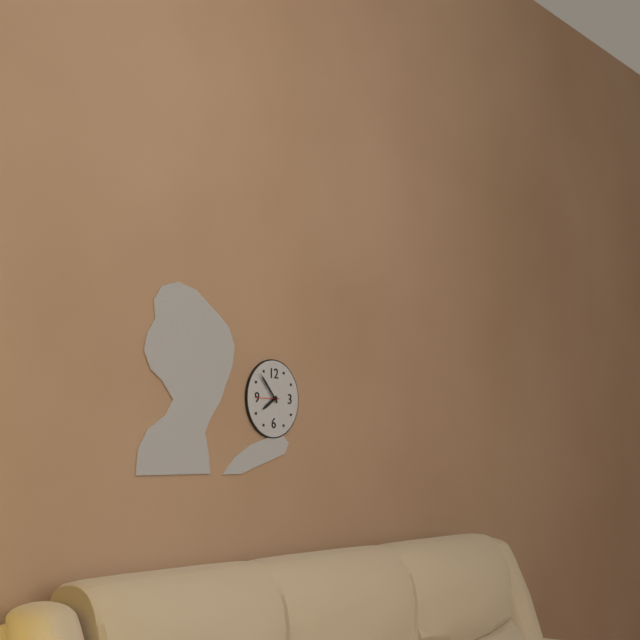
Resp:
h=7 m=53
